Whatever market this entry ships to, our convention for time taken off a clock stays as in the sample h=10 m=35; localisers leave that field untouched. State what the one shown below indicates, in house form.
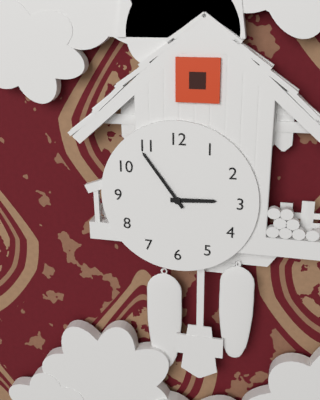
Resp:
h=2 m=54
